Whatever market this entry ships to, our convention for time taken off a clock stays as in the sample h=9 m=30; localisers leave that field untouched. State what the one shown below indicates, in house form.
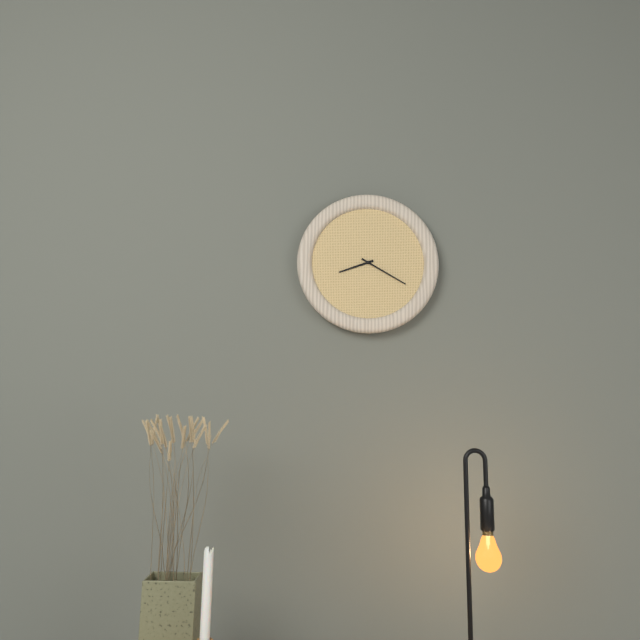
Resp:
h=8 m=20
